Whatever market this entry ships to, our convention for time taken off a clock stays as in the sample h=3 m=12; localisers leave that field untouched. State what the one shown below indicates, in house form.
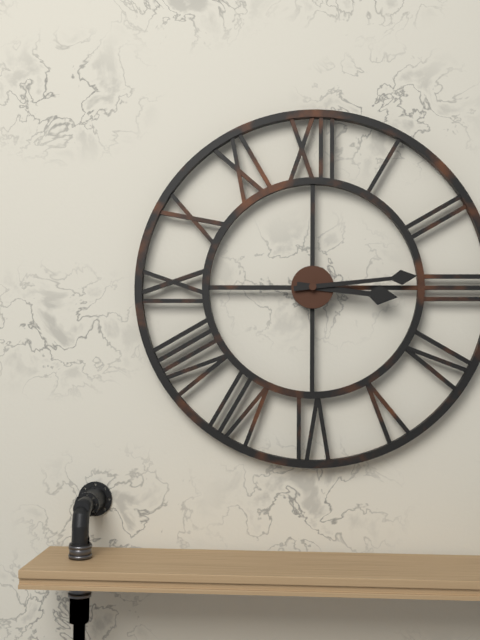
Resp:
h=3 m=14
